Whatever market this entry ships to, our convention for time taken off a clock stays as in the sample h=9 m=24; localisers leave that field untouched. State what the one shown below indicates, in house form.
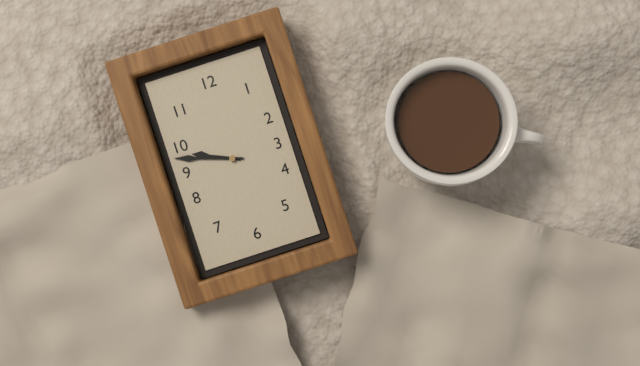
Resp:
h=9 m=48
